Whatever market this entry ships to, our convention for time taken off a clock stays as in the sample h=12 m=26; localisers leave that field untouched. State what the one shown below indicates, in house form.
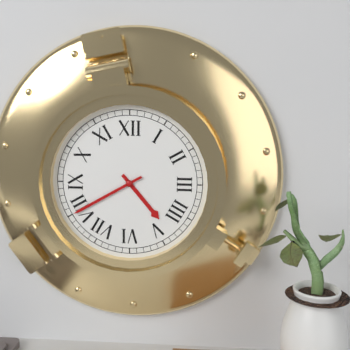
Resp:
h=4 m=40
